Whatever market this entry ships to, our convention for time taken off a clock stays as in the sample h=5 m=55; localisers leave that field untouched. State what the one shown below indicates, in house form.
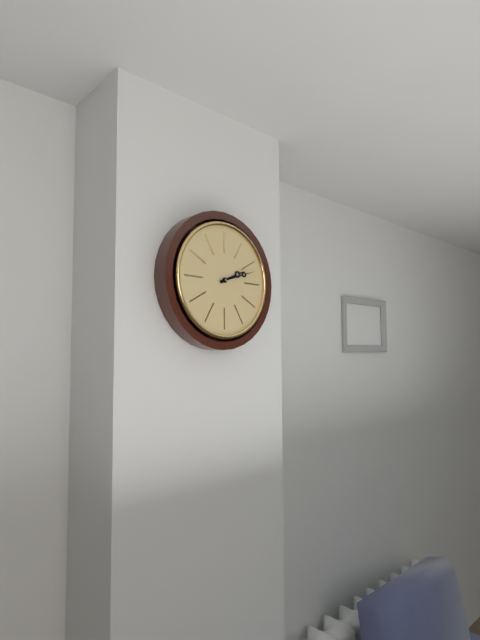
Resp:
h=2 m=12
